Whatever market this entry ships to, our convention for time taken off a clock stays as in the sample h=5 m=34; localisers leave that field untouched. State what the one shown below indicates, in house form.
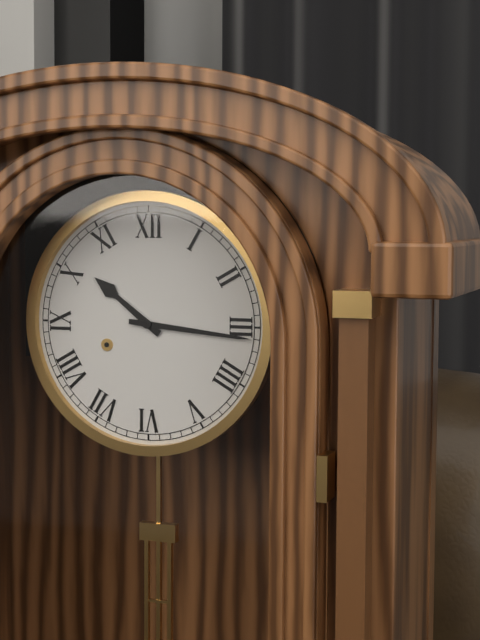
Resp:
h=10 m=16
